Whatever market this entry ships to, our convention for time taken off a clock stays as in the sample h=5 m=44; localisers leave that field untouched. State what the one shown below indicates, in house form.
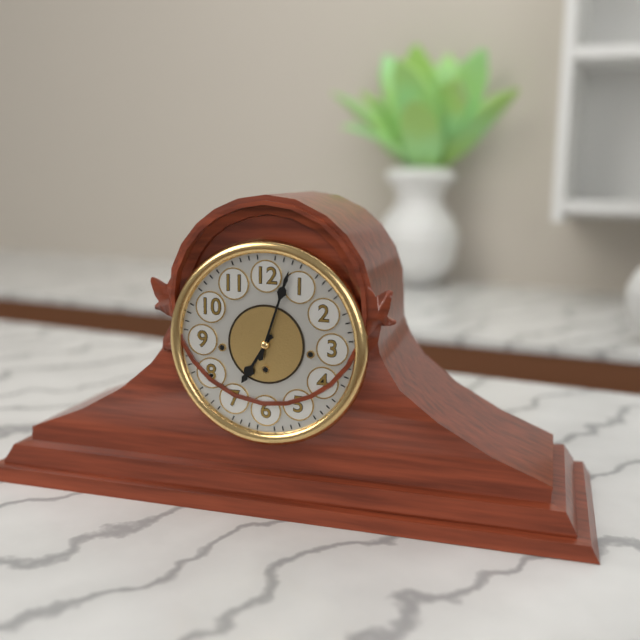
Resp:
h=7 m=3
